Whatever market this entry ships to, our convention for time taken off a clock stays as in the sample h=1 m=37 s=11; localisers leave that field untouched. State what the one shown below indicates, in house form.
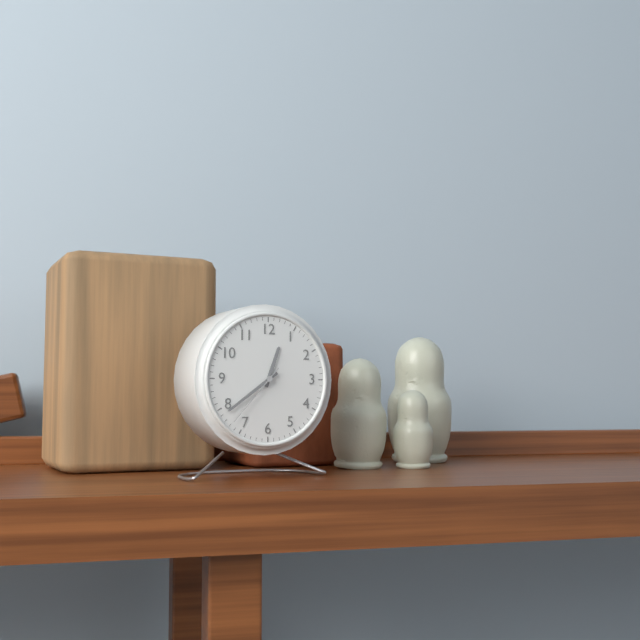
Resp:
h=12 m=39 s=37
